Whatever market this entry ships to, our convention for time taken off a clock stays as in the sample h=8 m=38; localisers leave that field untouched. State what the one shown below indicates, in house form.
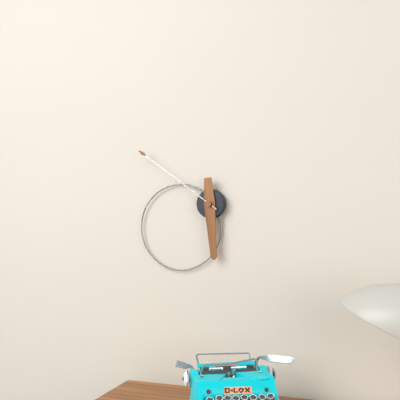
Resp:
h=5 m=51
